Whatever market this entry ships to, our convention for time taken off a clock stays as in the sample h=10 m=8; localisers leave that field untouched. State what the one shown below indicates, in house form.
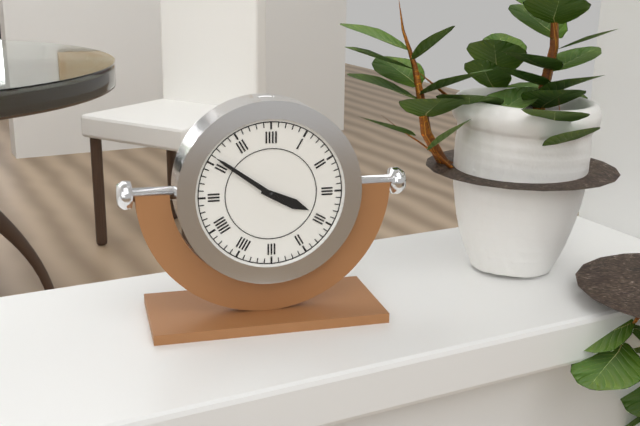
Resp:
h=3 m=51
